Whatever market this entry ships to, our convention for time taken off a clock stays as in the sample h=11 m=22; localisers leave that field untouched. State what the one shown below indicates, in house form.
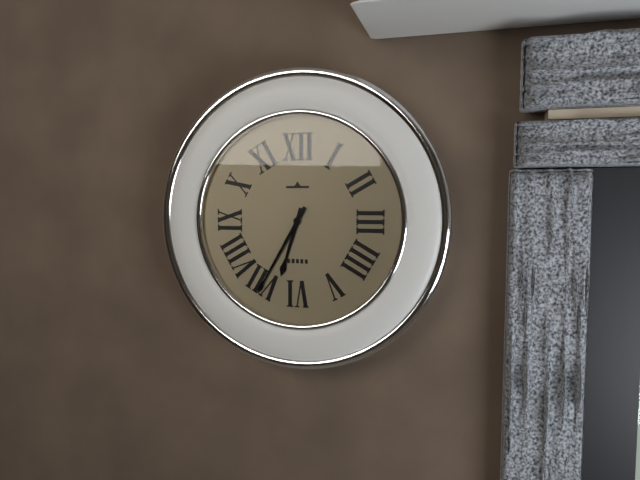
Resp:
h=6 m=35
